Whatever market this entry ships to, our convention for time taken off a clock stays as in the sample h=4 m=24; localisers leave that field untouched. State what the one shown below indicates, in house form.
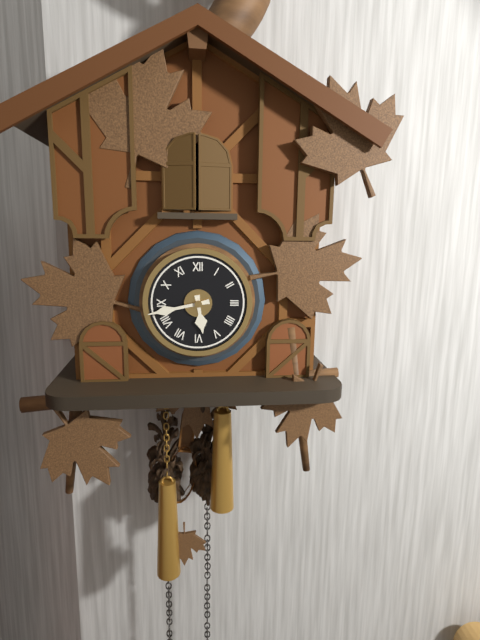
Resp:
h=5 m=43
